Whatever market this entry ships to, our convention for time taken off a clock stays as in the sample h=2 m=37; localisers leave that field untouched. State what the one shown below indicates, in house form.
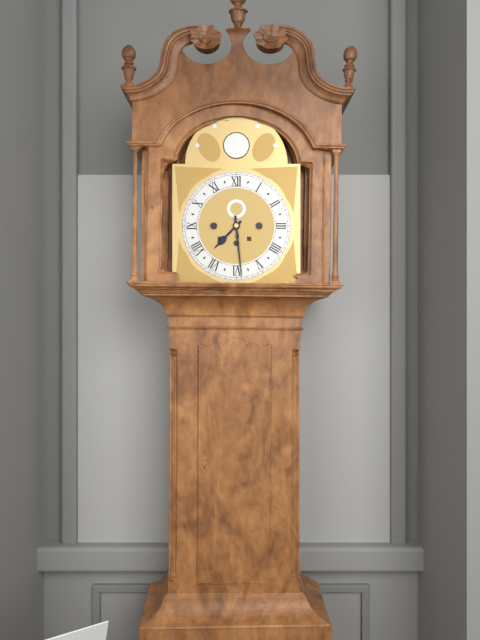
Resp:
h=7 m=29
